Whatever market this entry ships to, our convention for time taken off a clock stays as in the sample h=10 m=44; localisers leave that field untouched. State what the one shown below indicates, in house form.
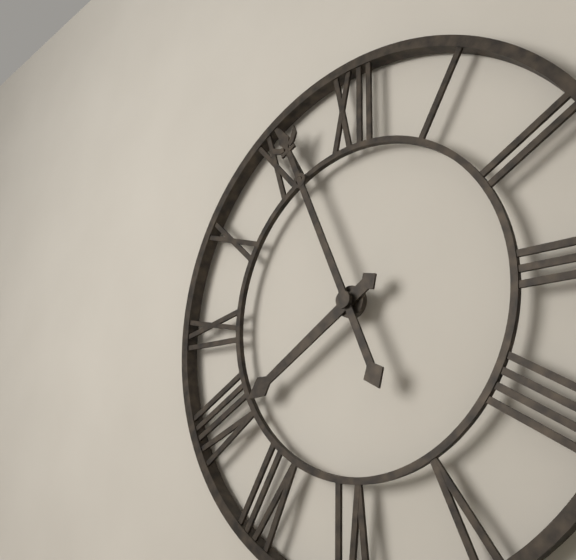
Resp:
h=7 m=56
